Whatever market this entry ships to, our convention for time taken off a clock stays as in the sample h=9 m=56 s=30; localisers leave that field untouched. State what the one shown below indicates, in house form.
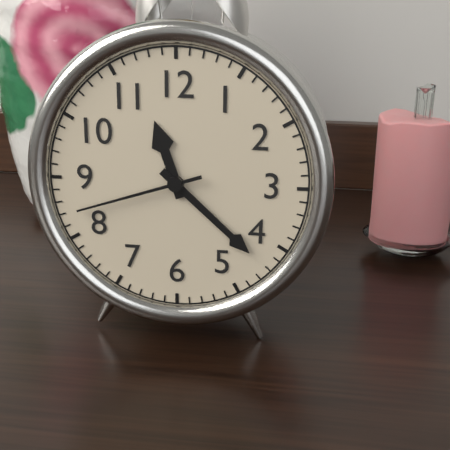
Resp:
h=11 m=22 s=42
